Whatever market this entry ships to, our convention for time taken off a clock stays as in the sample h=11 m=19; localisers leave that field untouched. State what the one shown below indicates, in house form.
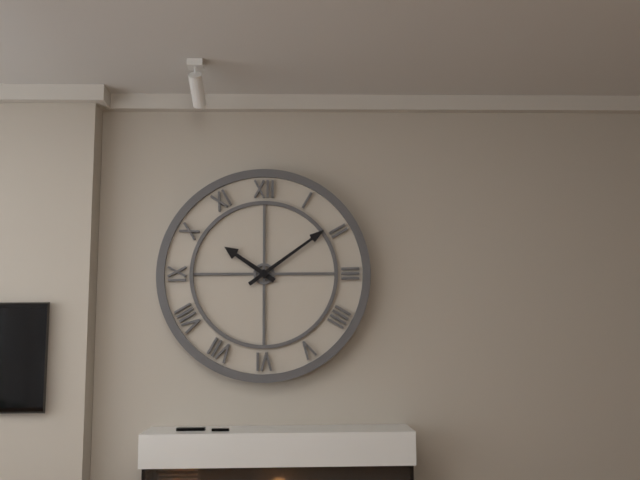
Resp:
h=10 m=9
